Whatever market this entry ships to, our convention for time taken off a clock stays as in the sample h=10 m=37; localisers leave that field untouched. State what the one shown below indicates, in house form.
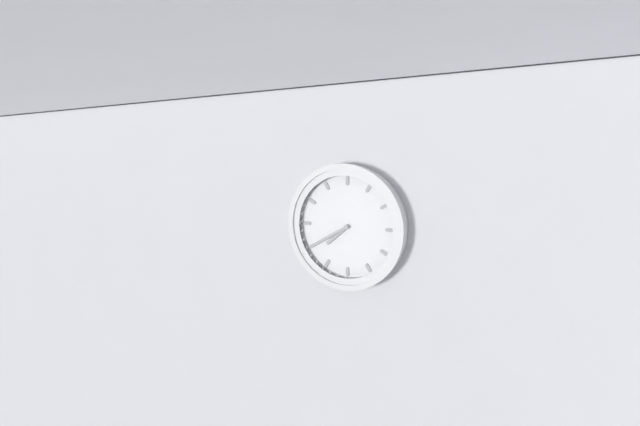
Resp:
h=7 m=40
